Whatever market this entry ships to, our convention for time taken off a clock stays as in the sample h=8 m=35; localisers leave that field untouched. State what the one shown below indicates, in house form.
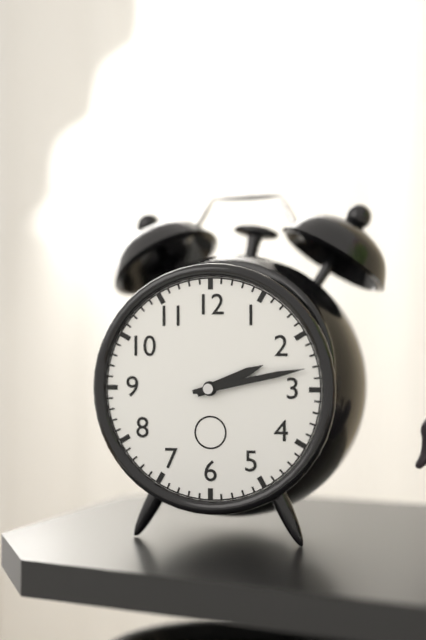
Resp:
h=2 m=13
